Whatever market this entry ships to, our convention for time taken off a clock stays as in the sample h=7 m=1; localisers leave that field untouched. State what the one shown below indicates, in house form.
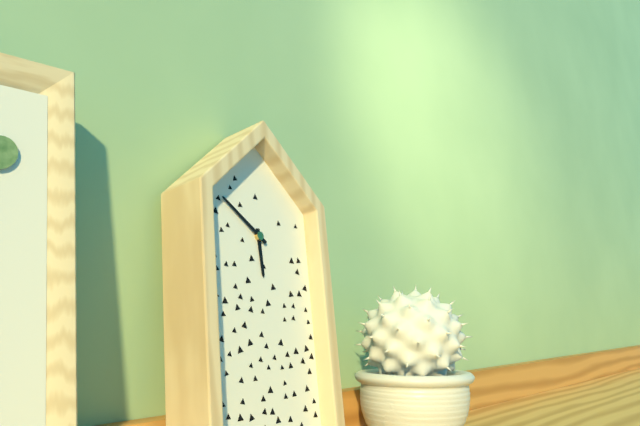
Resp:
h=5 m=51
